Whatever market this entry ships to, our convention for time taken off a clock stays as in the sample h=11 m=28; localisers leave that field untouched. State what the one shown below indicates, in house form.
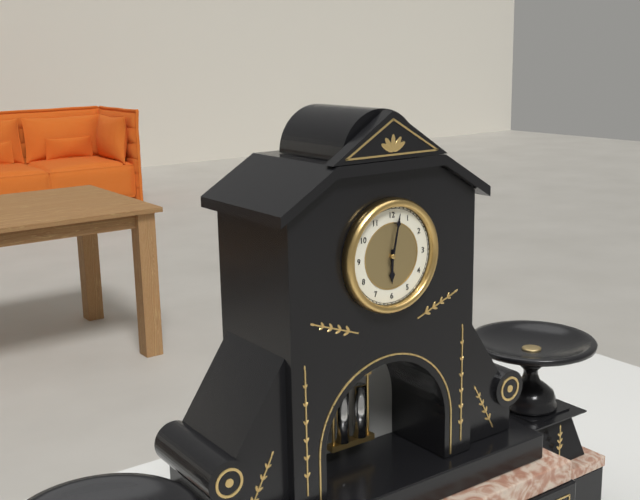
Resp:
h=6 m=2
